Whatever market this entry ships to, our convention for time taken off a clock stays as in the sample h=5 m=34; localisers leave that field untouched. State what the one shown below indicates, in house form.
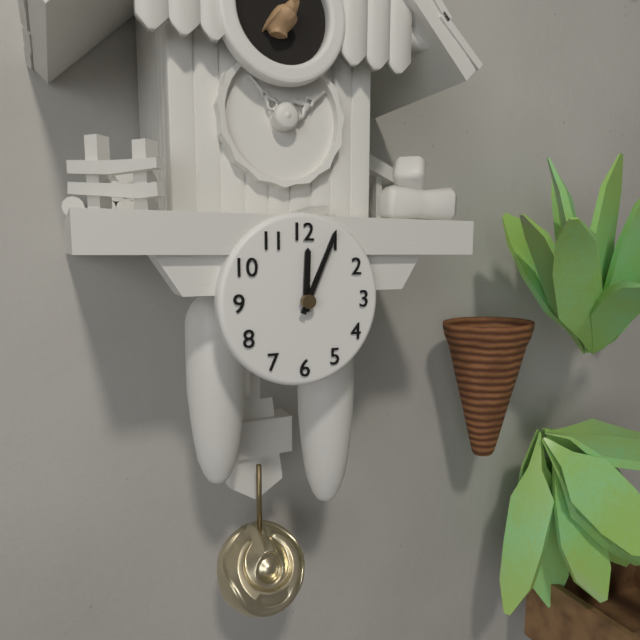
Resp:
h=12 m=4
